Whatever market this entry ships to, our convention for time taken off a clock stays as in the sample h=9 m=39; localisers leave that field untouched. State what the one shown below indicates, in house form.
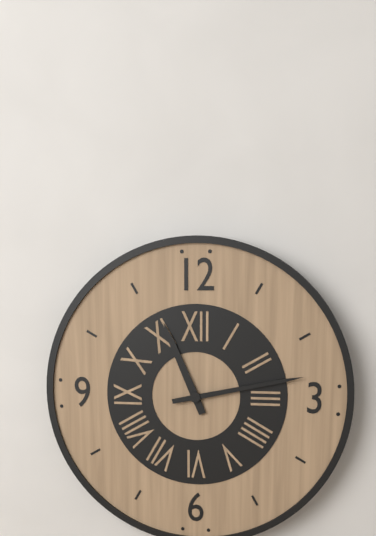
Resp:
h=11 m=13
